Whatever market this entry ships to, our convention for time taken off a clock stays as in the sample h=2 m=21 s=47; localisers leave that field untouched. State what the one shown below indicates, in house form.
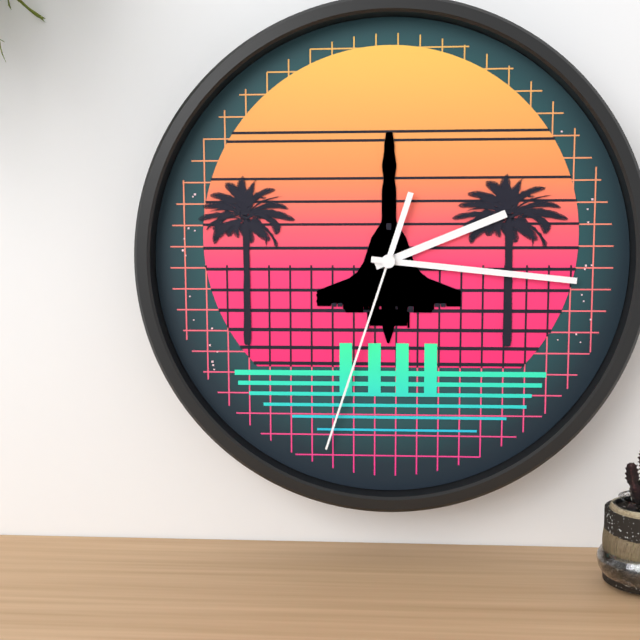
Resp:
h=2 m=16 s=33
